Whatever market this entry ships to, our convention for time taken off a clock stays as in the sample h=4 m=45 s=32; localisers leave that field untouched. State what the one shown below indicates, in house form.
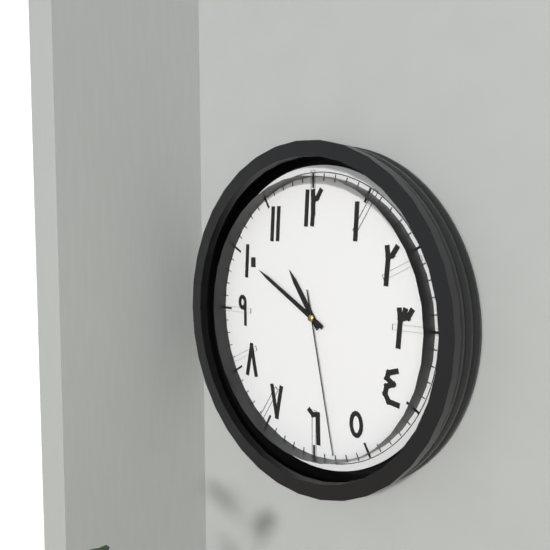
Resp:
h=10 m=50 s=28
